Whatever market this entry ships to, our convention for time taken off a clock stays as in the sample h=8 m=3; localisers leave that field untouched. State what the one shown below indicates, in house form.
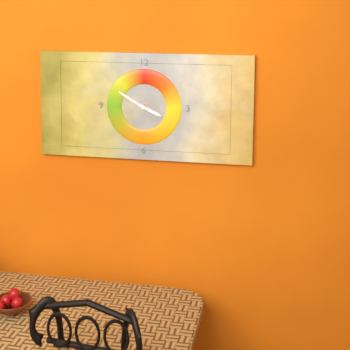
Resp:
h=3 m=50
